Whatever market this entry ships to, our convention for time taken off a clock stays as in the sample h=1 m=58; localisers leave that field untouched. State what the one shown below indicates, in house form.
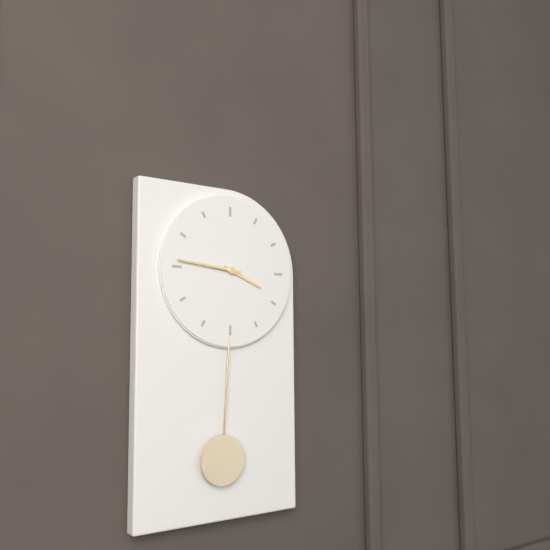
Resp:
h=3 m=46
